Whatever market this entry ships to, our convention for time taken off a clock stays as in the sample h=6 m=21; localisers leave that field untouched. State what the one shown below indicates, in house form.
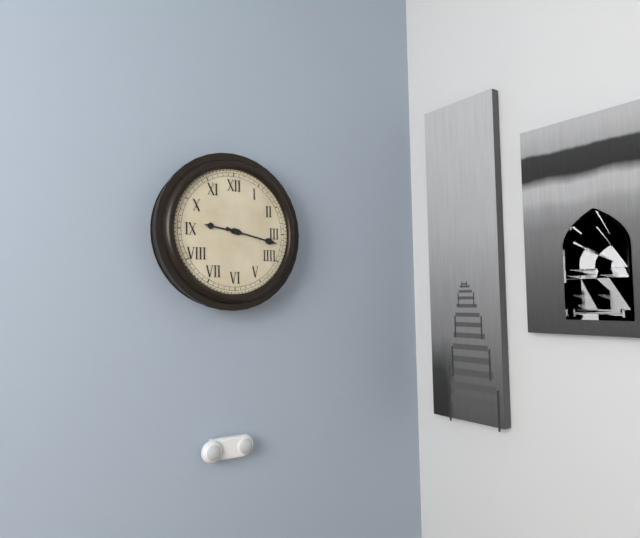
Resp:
h=9 m=17
